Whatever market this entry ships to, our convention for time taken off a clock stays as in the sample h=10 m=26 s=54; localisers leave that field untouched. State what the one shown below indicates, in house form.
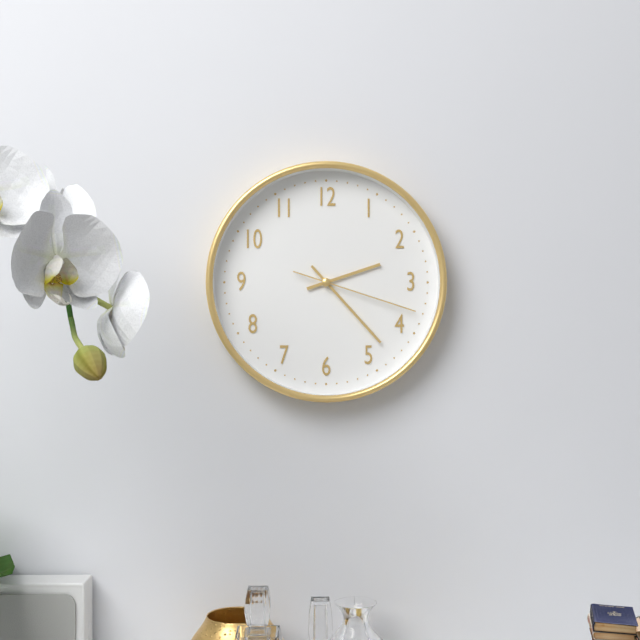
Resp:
h=2 m=23 s=18
